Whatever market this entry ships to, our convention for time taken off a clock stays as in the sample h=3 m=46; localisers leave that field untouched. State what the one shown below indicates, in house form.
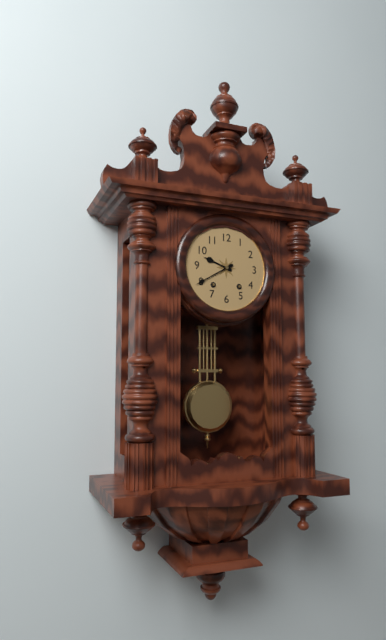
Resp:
h=9 m=40
